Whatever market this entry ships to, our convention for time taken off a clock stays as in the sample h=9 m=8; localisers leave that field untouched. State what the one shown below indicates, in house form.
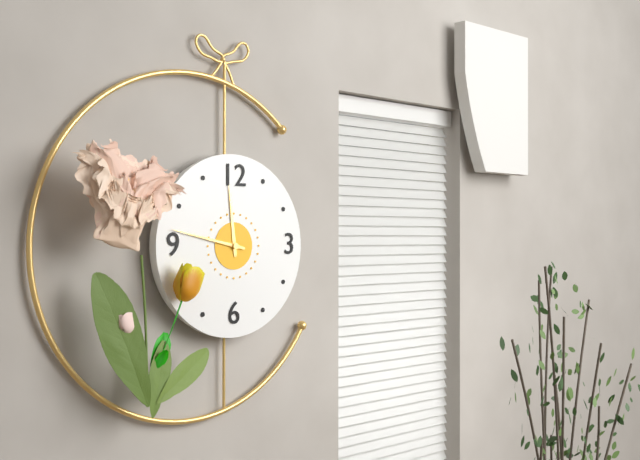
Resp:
h=11 m=47
